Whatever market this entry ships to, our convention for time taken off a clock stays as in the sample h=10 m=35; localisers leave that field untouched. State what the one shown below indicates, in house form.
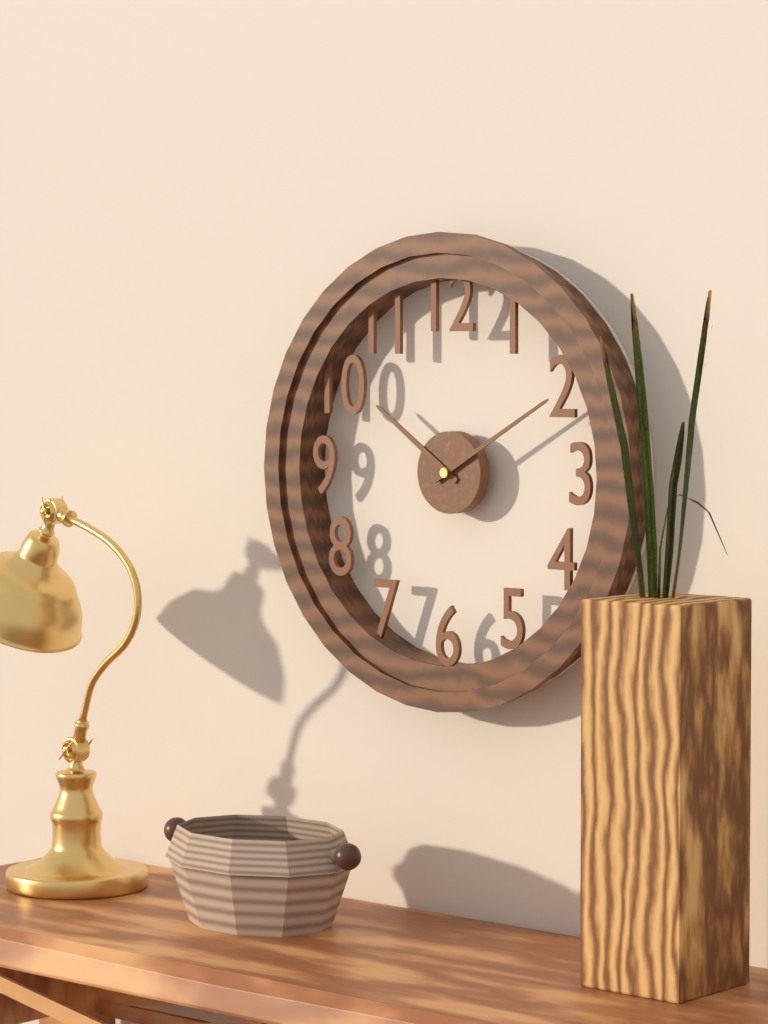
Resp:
h=10 m=10
